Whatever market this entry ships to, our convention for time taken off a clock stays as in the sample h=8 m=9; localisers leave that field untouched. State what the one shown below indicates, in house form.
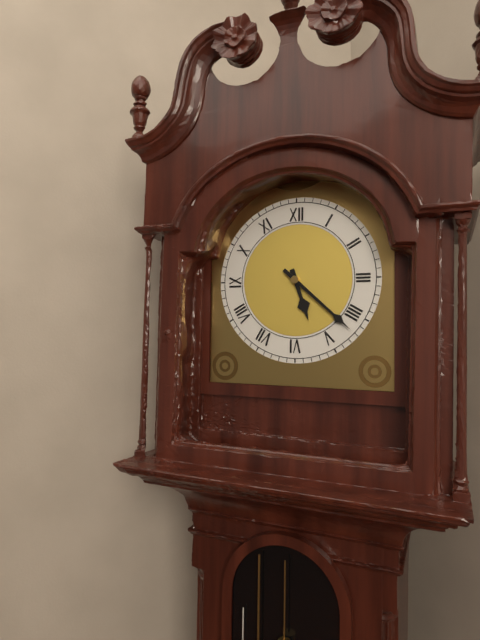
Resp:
h=5 m=22
